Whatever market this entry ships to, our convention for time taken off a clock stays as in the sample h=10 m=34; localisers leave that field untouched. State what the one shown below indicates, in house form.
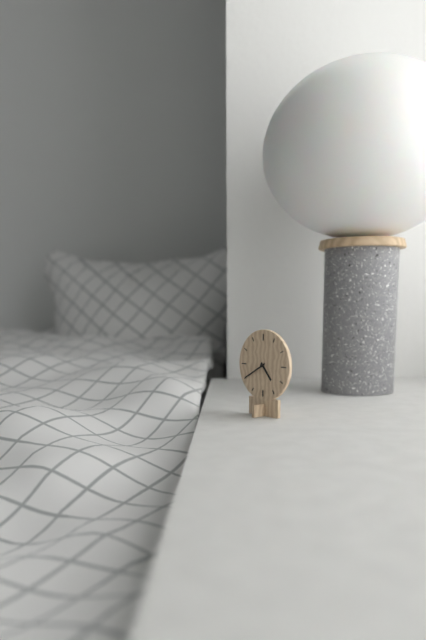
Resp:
h=4 m=40
